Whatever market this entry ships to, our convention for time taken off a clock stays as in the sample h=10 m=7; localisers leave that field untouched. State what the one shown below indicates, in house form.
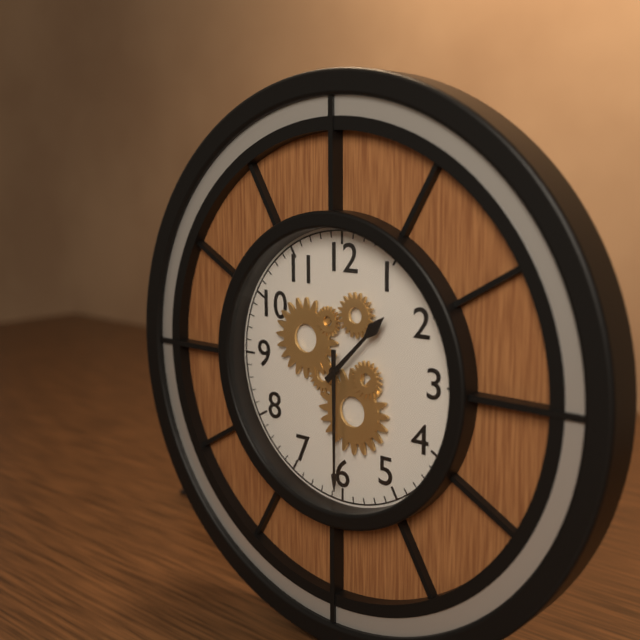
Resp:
h=1 m=30
